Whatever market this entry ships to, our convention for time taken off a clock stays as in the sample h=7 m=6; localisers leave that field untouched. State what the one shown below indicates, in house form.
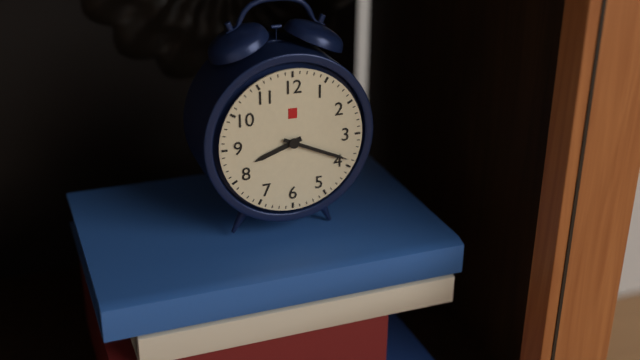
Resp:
h=8 m=19
